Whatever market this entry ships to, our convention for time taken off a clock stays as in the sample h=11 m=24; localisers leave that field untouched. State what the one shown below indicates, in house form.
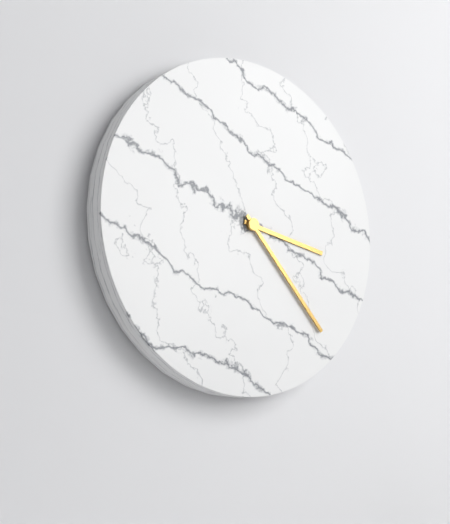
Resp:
h=3 m=23
